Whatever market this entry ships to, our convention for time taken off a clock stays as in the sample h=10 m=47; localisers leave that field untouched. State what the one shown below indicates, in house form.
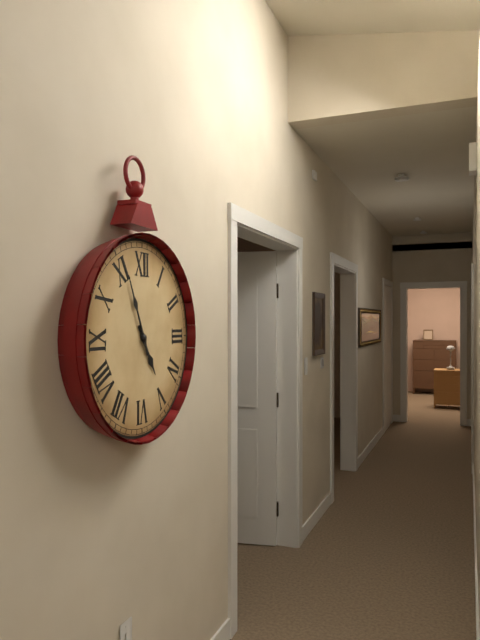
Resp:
h=4 m=56
